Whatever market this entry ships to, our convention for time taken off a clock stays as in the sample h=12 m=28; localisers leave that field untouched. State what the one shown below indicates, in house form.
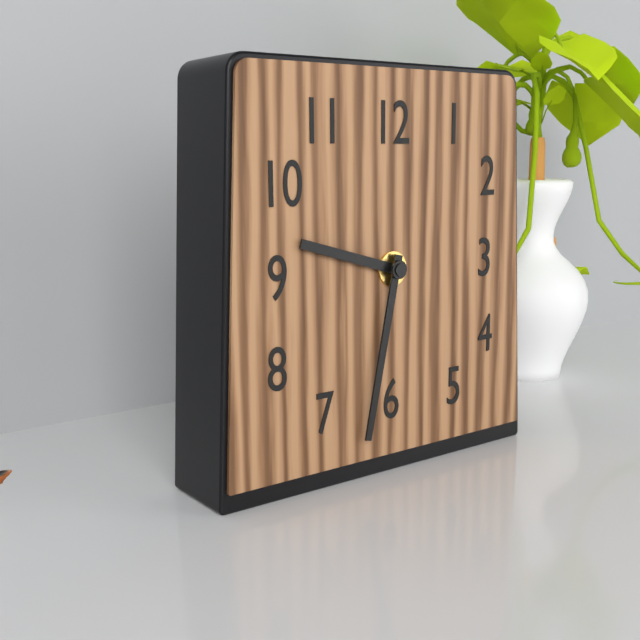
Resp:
h=9 m=32
